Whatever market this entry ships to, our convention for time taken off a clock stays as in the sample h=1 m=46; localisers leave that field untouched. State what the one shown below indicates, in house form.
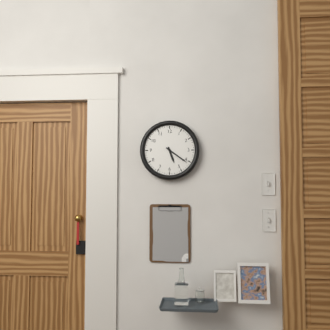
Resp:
h=5 m=21
